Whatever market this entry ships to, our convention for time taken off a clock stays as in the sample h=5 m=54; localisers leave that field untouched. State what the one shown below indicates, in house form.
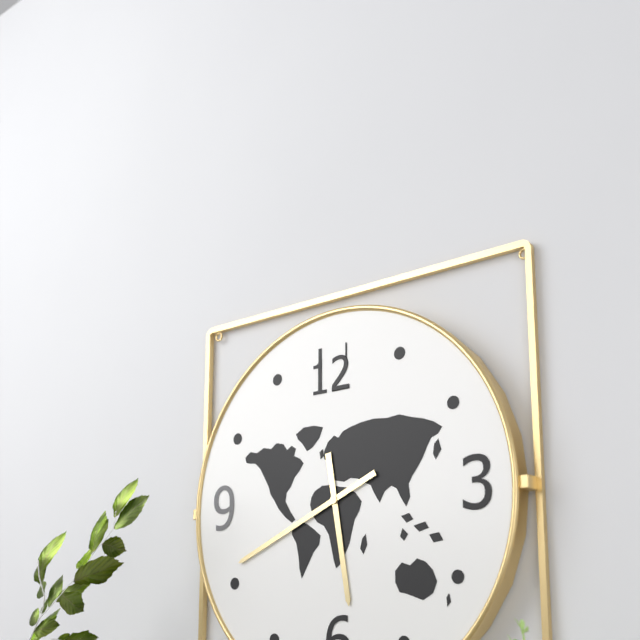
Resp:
h=5 m=41
